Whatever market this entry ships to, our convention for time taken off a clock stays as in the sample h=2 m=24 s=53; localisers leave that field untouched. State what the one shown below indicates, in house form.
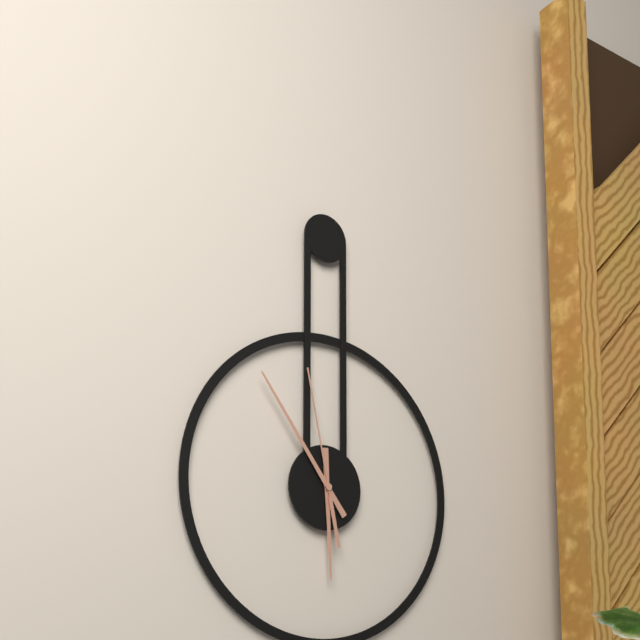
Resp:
h=5 m=54 s=58
